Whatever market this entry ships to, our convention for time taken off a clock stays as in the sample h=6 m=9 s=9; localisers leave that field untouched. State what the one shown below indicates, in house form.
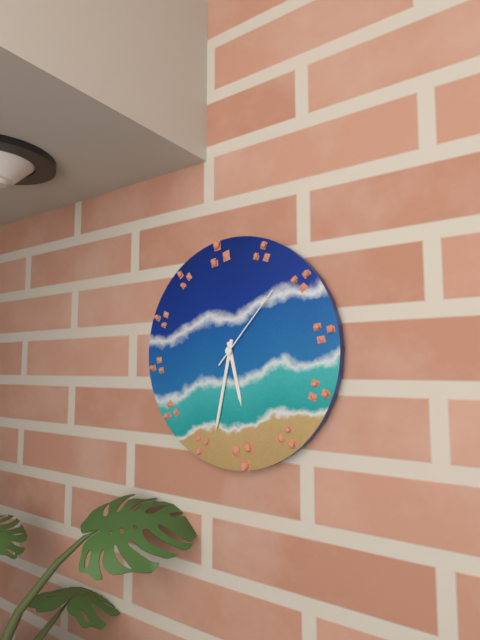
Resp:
h=5 m=32 s=7
